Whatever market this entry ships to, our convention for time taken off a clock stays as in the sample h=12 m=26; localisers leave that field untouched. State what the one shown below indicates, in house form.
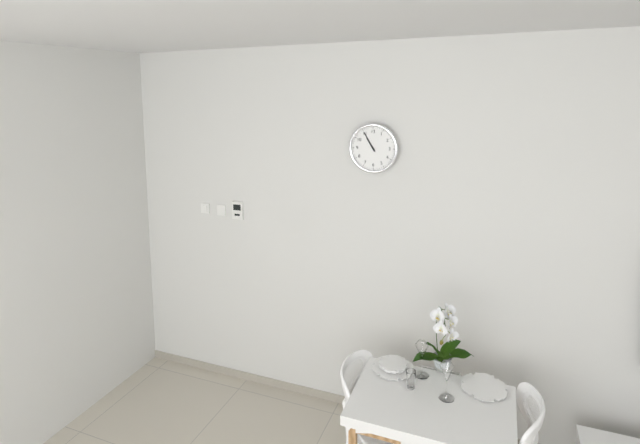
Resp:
h=10 m=55
